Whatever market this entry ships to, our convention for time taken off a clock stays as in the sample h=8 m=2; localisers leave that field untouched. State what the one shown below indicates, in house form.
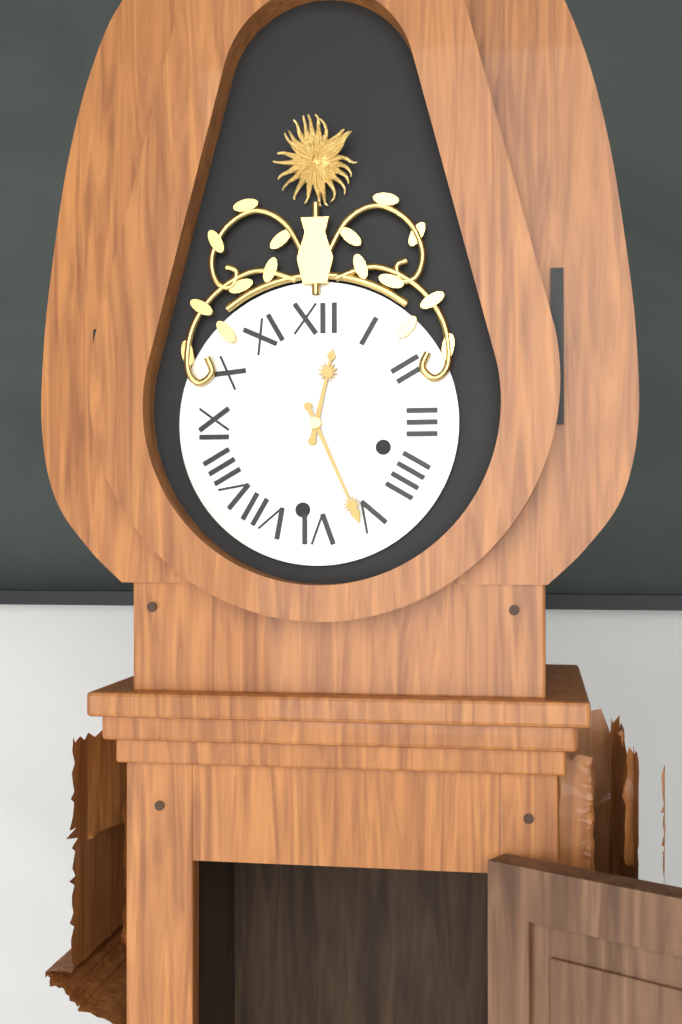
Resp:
h=12 m=26
